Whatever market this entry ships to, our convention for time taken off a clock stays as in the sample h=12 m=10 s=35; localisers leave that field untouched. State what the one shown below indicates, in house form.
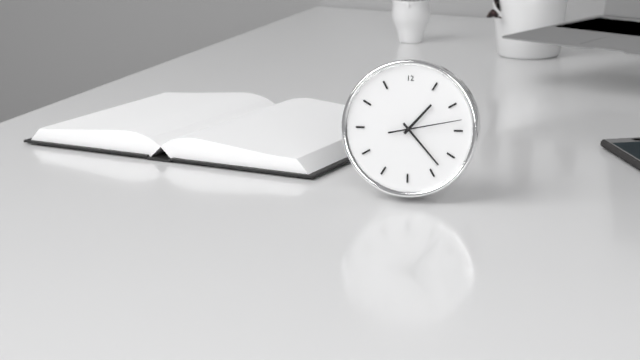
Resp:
h=1 m=23 s=13
